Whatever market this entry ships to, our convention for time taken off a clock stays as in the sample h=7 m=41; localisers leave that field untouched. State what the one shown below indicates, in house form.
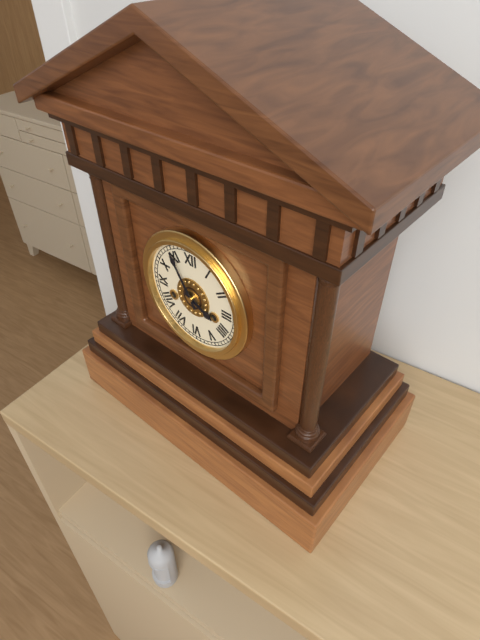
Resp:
h=3 m=55
